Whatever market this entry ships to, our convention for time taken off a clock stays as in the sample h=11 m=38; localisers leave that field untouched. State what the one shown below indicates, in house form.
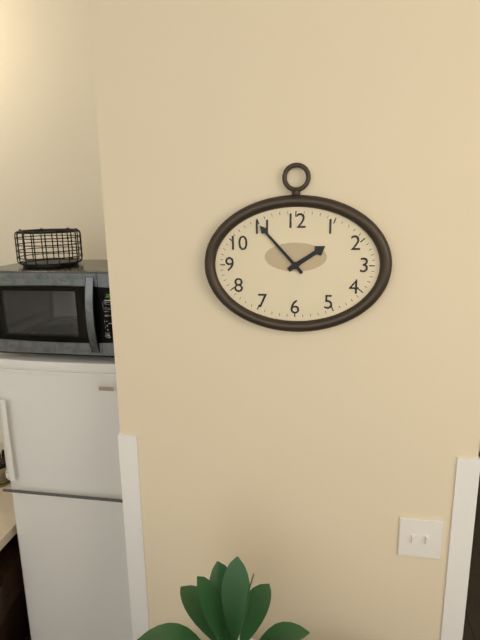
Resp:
h=1 m=53
